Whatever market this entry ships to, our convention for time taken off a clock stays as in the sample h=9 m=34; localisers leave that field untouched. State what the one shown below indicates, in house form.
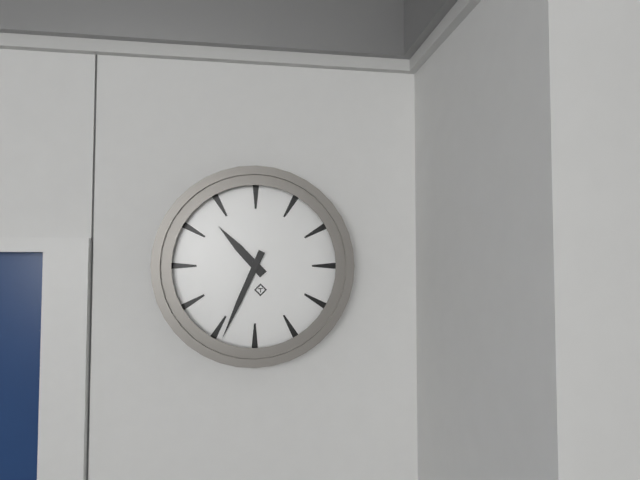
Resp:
h=10 m=34
